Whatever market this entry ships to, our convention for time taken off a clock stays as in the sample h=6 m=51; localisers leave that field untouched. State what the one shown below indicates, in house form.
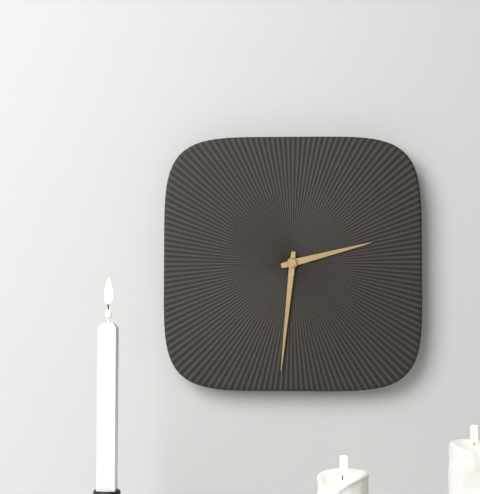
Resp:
h=2 m=31
